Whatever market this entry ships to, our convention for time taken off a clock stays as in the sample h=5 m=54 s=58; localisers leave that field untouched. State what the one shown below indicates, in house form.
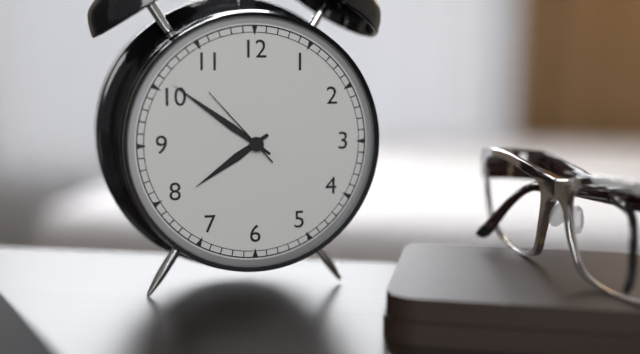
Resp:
h=7 m=51 s=53
